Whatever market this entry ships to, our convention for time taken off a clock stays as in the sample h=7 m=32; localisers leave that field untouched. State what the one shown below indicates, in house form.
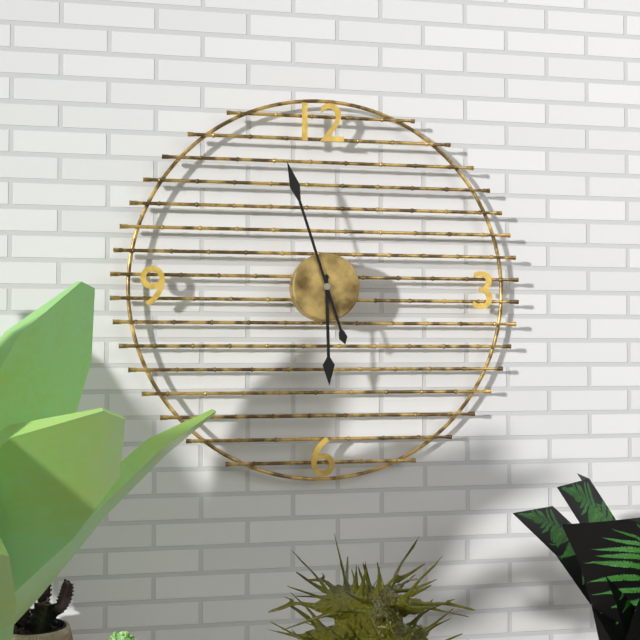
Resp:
h=5 m=57
